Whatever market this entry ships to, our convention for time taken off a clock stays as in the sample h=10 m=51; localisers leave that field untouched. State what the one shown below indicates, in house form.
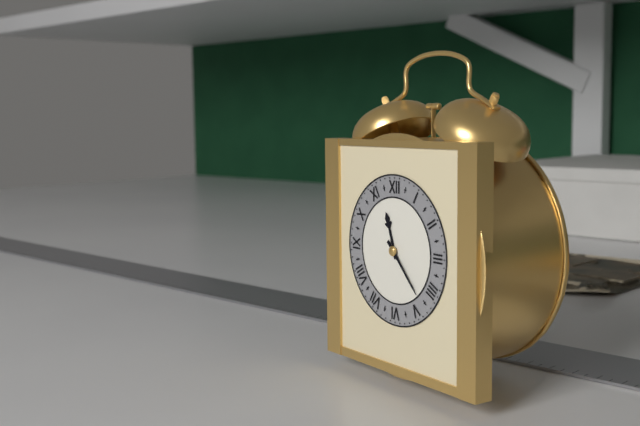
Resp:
h=11 m=23
